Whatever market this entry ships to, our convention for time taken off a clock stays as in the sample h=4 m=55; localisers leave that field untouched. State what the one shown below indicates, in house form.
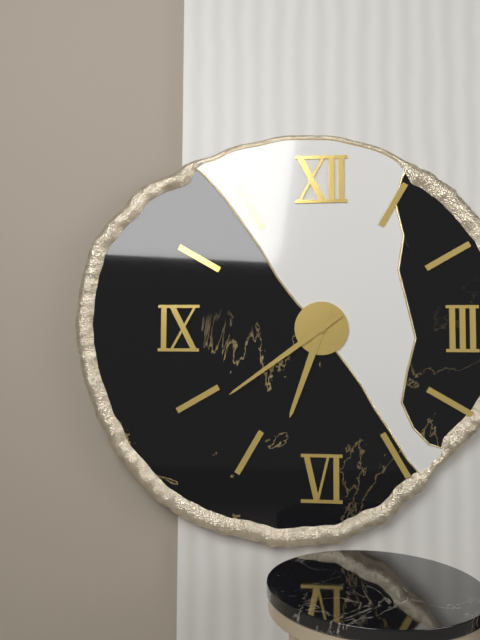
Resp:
h=6 m=39
